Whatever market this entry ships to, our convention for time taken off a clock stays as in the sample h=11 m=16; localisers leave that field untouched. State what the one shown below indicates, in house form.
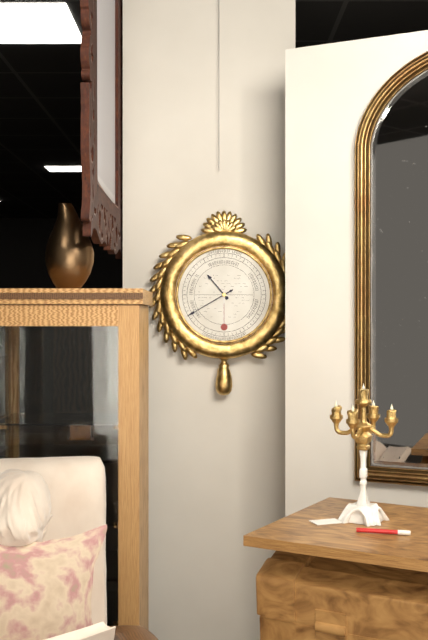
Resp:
h=10 m=40
